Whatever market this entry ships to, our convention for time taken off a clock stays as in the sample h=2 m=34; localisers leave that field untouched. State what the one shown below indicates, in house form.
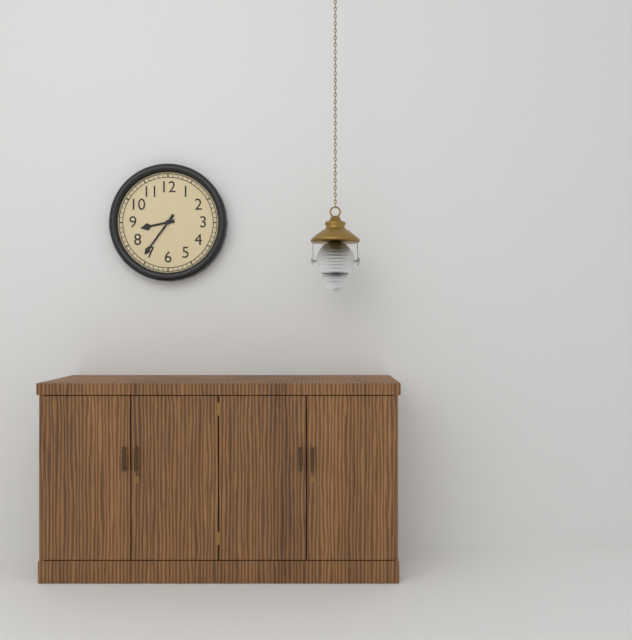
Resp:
h=8 m=36
